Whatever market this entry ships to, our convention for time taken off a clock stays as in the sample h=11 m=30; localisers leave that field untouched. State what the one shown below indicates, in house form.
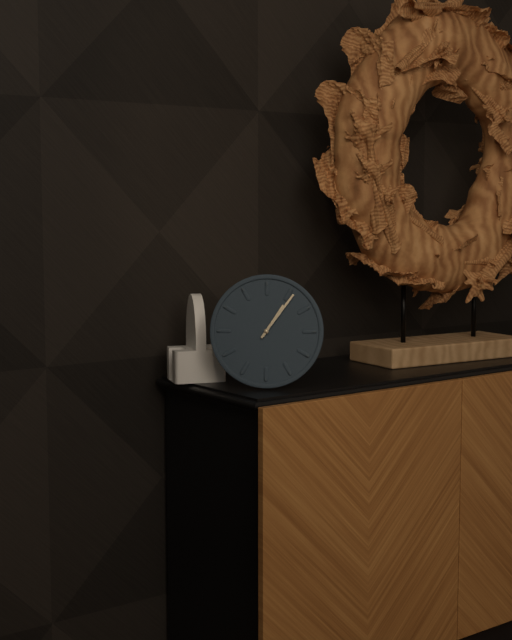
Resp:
h=1 m=6
